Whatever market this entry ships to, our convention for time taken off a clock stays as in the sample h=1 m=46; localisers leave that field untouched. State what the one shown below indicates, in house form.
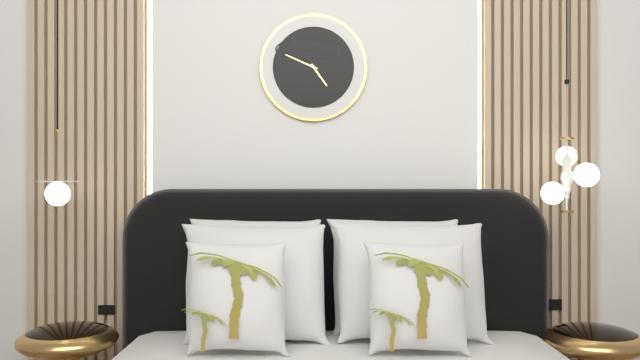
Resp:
h=4 m=49
